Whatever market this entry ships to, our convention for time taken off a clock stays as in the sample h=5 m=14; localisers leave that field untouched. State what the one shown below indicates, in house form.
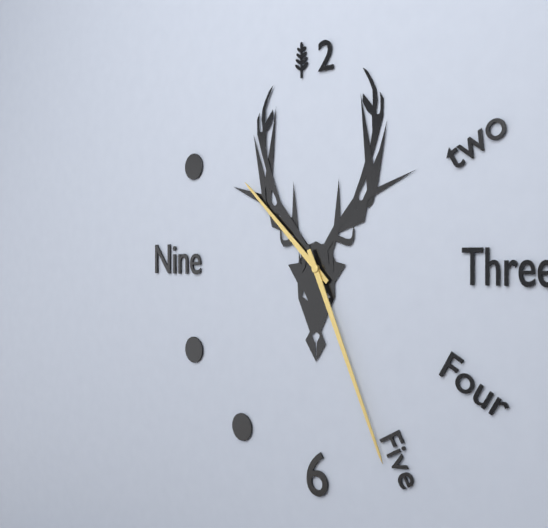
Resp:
h=10 m=26
